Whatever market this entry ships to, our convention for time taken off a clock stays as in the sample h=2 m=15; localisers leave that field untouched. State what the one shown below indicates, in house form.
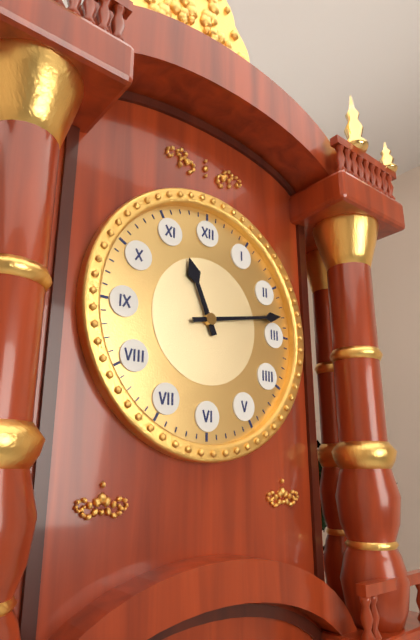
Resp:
h=11 m=13
